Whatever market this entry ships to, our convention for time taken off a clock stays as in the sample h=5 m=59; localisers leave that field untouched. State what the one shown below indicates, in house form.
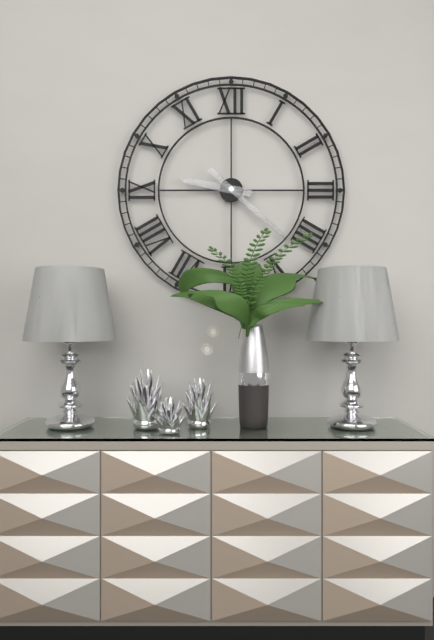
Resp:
h=9 m=22
